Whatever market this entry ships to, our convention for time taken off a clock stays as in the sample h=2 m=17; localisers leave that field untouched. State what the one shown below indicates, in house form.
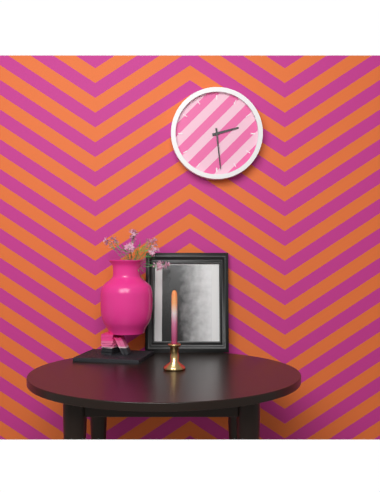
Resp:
h=2 m=29
